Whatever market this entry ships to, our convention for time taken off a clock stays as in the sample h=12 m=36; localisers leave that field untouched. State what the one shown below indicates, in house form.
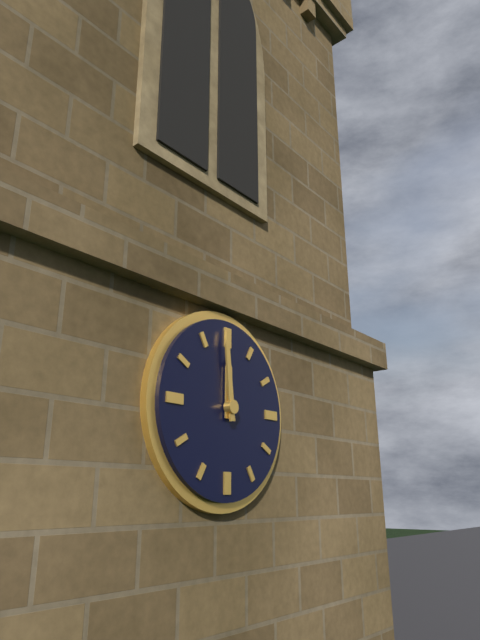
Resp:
h=11 m=59
